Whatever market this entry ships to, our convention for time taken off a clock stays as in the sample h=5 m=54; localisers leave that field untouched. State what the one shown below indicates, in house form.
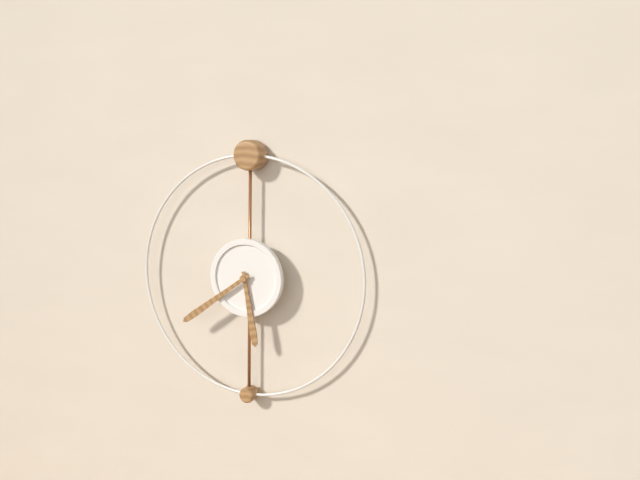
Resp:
h=5 m=39
